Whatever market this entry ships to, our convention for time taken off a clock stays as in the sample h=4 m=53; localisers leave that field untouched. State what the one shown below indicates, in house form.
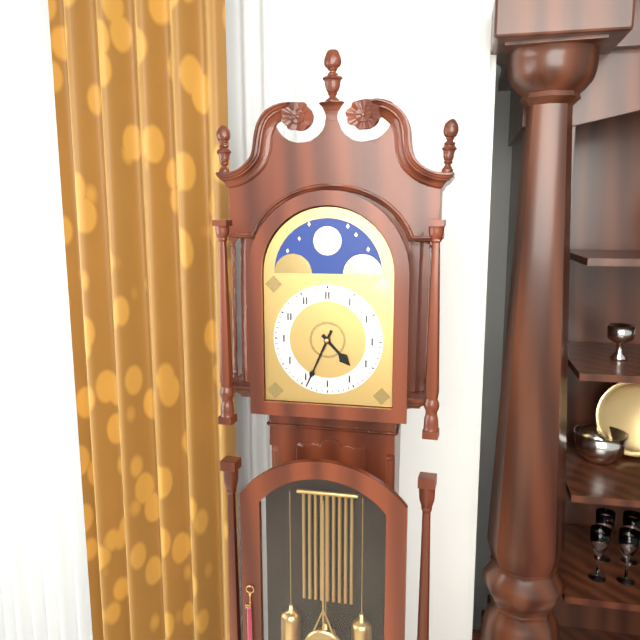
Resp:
h=4 m=34
